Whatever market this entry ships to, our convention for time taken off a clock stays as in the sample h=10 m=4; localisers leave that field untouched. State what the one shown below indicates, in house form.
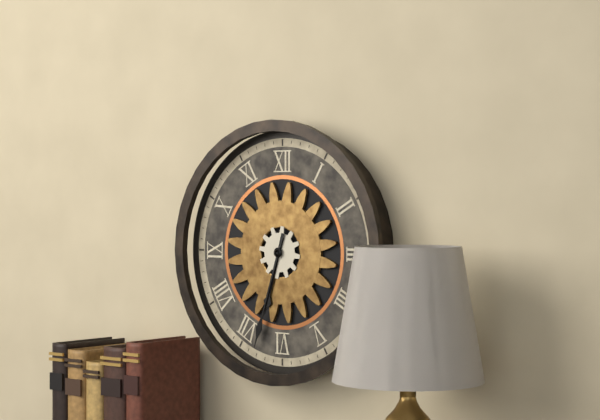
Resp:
h=6 m=33
